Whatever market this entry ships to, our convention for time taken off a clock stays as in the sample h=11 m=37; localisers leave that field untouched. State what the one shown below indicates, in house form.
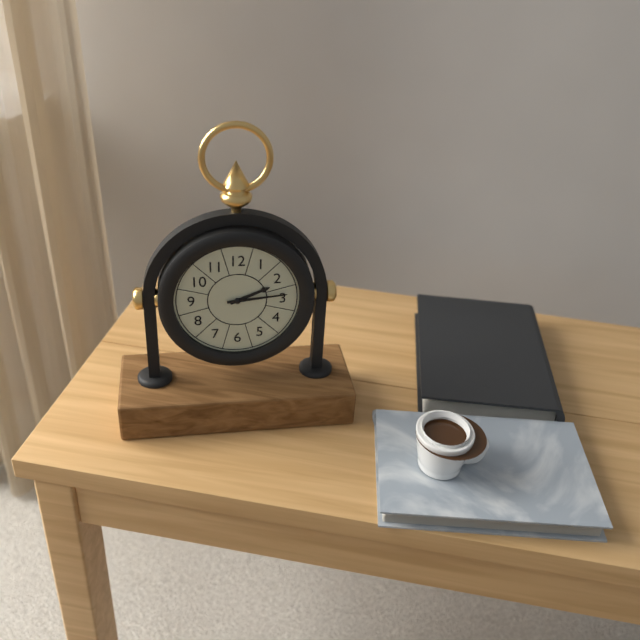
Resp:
h=2 m=14
